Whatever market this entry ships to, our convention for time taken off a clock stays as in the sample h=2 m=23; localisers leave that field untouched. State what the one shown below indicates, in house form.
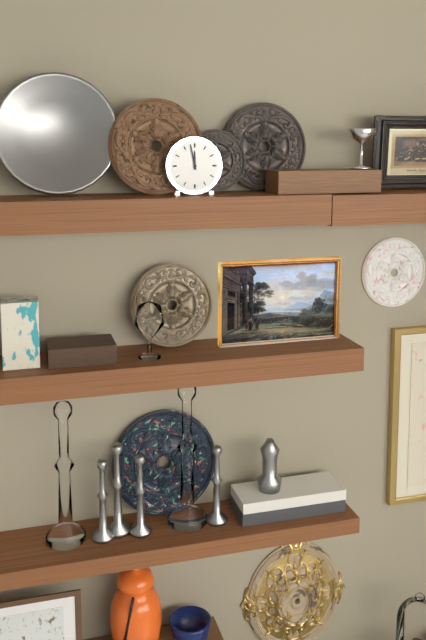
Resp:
h=11 m=58
